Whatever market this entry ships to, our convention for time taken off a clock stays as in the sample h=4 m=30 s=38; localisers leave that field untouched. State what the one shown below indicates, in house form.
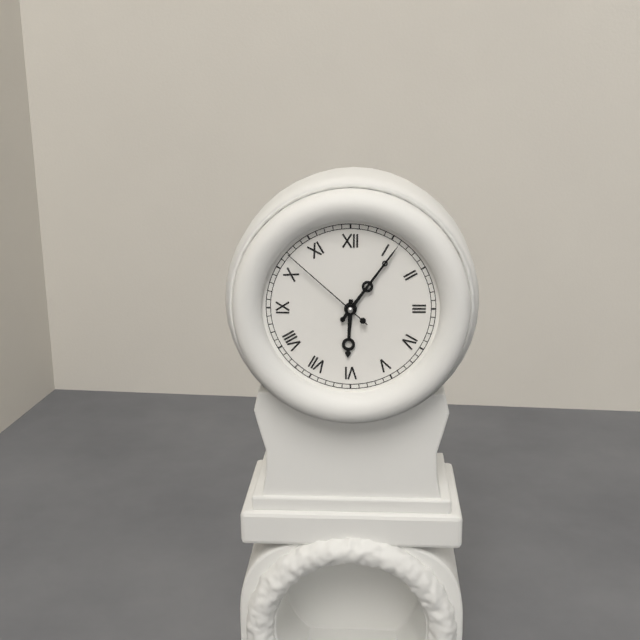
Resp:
h=6 m=6 s=52
